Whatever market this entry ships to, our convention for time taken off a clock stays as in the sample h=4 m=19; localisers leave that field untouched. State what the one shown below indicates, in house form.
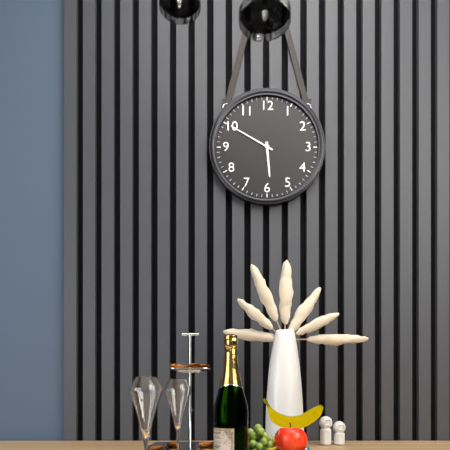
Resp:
h=5 m=50
